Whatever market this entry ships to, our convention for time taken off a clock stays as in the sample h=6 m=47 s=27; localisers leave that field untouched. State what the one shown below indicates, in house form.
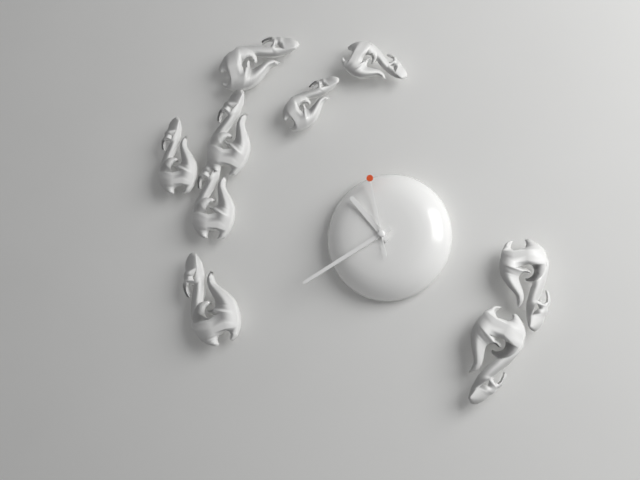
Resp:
h=10 m=40 s=58
